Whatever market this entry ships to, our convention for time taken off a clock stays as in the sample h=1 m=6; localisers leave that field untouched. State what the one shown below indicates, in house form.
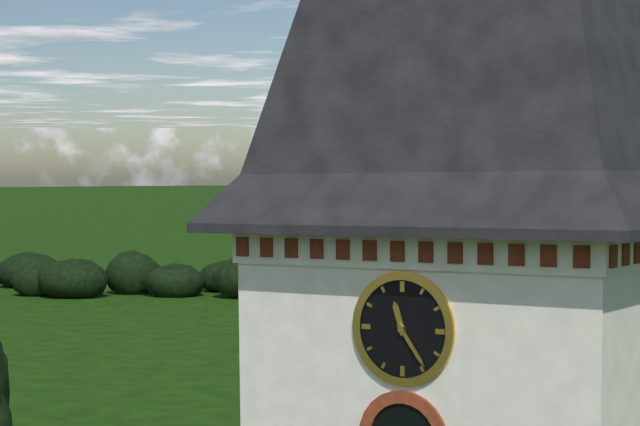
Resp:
h=11 m=24
